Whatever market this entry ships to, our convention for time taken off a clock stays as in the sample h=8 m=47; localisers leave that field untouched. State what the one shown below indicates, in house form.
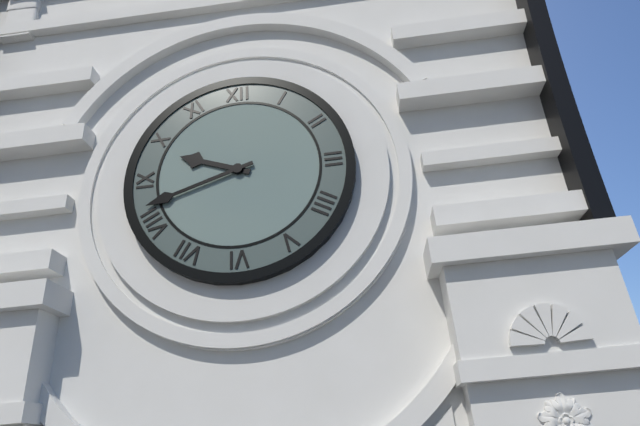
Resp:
h=9 m=42
